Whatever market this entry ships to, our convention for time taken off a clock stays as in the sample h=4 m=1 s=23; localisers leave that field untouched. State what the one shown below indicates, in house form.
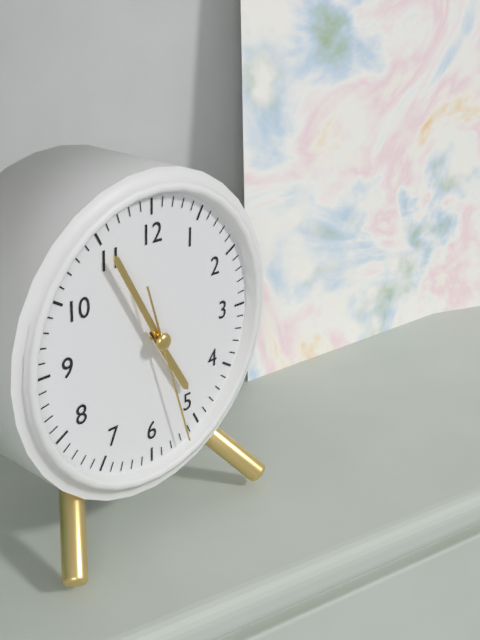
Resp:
h=4 m=55 s=27
